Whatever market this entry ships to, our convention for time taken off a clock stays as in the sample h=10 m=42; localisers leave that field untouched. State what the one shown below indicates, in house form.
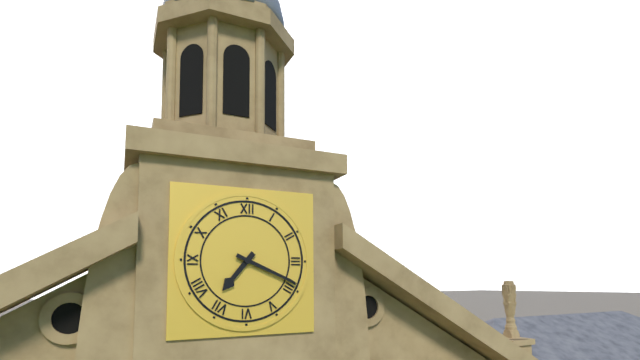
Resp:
h=7 m=19
